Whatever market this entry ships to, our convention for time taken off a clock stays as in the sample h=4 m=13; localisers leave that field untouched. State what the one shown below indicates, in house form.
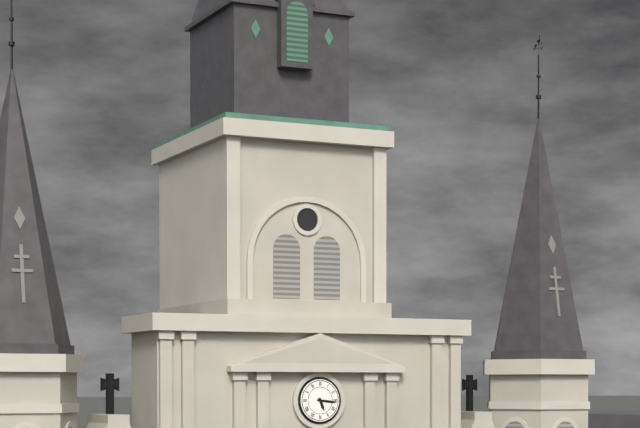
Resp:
h=5 m=16
